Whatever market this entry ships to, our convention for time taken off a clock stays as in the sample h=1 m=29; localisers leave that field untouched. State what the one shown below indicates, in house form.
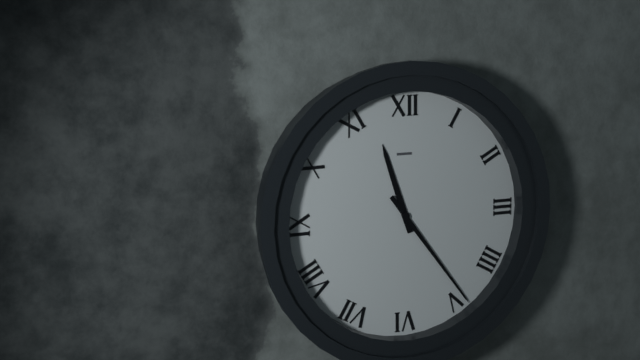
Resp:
h=11 m=24
